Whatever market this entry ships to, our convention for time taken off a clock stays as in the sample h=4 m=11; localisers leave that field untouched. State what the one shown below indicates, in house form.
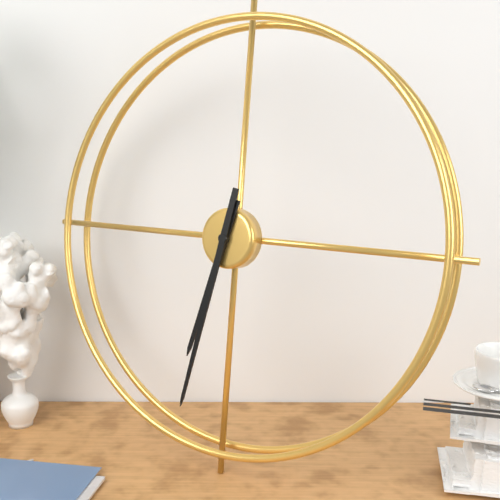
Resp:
h=6 m=32
